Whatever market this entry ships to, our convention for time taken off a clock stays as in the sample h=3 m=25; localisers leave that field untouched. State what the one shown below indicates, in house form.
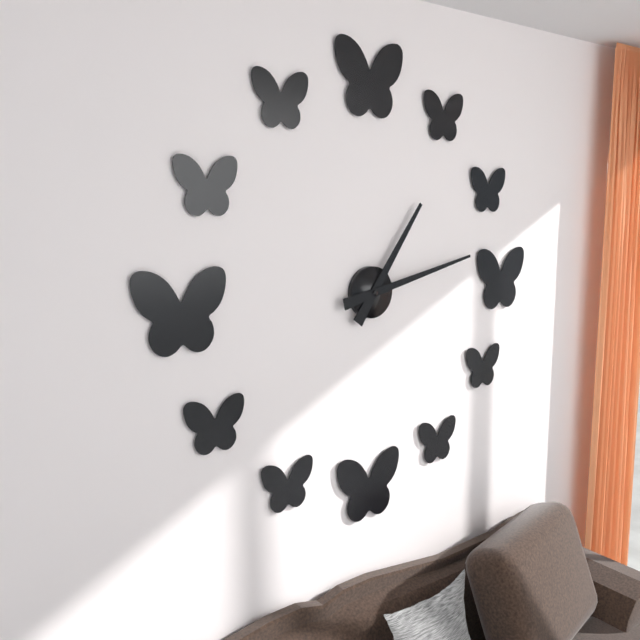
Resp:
h=1 m=13
